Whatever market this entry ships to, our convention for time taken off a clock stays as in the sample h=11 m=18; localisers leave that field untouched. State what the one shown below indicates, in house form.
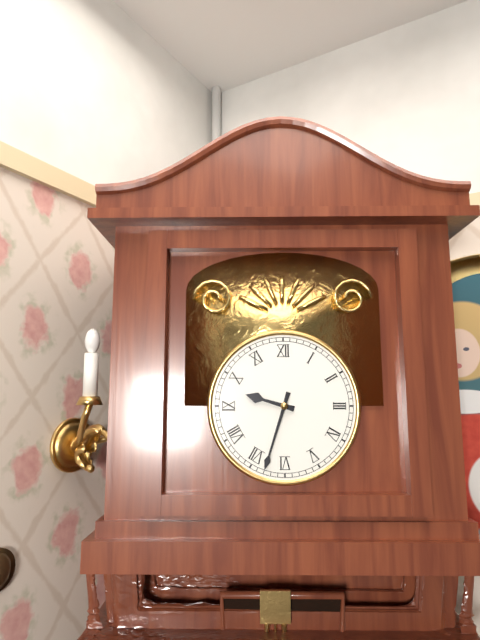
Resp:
h=9 m=33
